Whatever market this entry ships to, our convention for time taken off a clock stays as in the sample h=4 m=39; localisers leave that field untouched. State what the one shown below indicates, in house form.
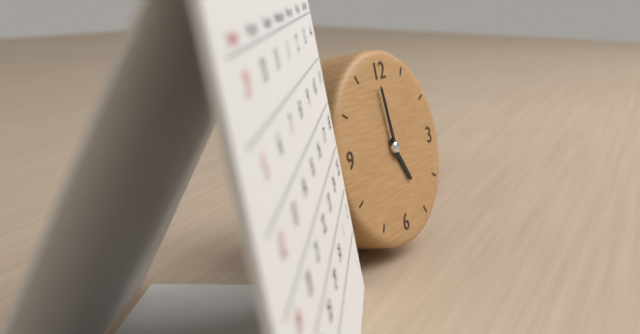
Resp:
h=4 m=59
